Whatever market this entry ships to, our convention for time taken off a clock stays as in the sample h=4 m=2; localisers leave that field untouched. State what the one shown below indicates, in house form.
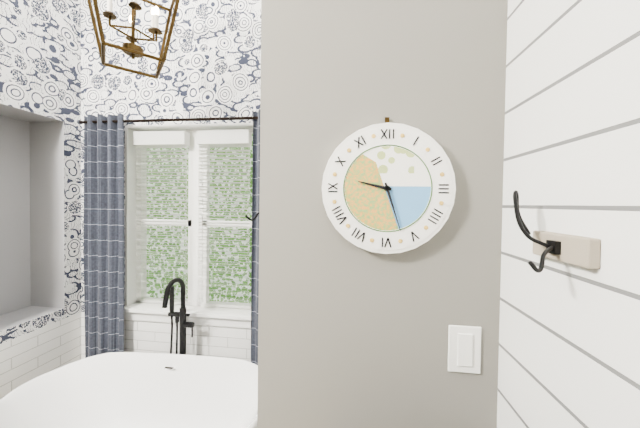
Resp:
h=9 m=27
